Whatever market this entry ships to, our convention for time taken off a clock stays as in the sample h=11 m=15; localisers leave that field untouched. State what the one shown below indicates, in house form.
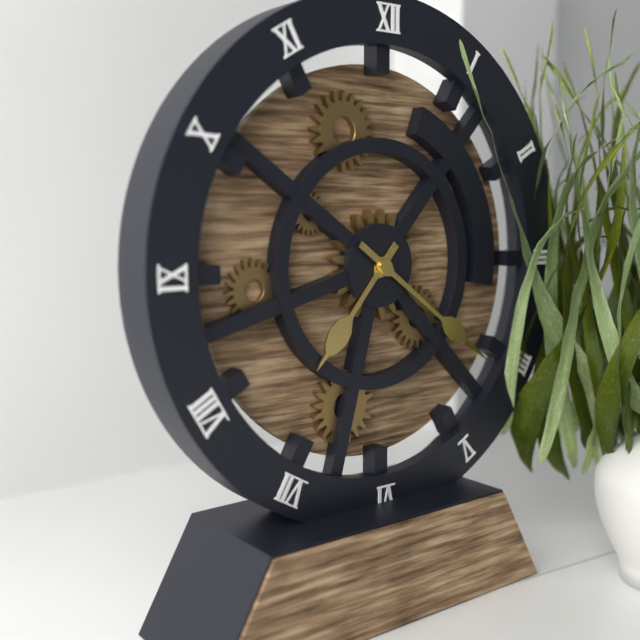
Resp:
h=7 m=21
